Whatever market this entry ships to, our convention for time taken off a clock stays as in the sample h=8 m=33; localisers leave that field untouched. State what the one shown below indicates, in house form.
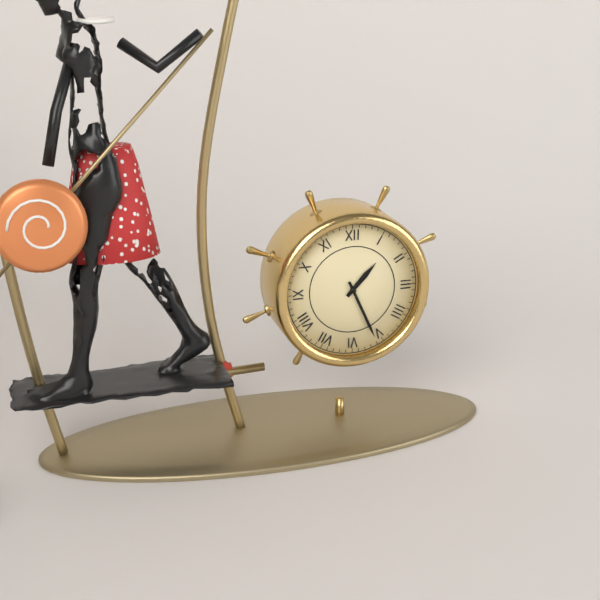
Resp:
h=1 m=26
